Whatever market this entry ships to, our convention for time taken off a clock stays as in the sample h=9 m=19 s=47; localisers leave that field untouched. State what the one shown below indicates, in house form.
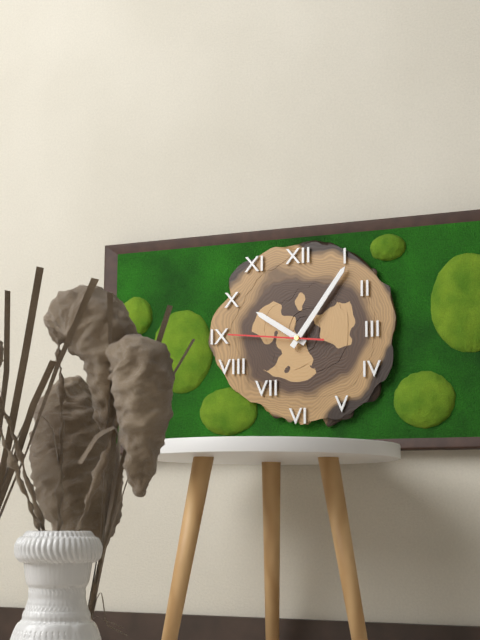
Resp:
h=10 m=6 s=46
